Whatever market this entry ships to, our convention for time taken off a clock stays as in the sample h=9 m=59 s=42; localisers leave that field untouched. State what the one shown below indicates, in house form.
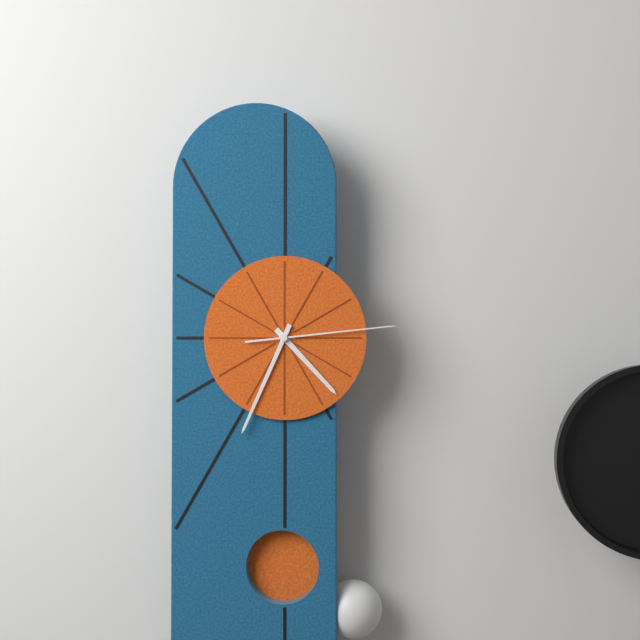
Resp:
h=4 m=34 s=14
